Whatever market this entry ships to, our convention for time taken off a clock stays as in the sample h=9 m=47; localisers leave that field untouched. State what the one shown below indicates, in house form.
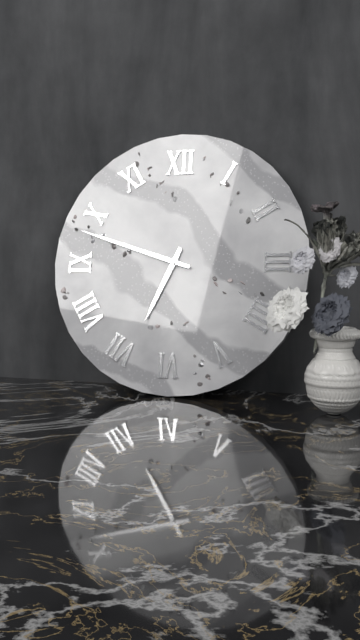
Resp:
h=6 m=48
